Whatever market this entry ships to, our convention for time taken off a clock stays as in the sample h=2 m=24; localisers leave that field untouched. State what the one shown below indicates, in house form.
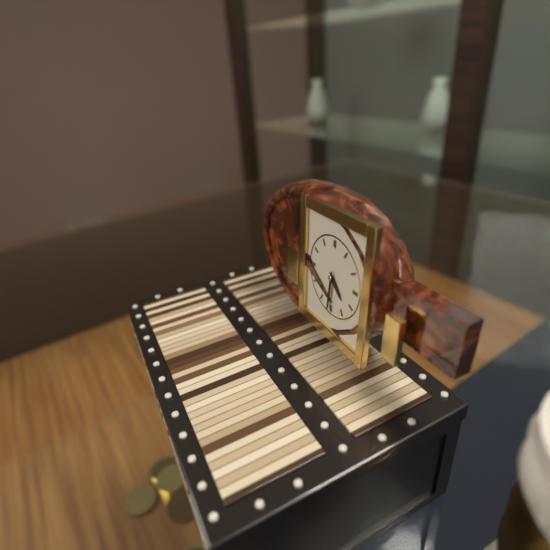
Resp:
h=4 m=31
